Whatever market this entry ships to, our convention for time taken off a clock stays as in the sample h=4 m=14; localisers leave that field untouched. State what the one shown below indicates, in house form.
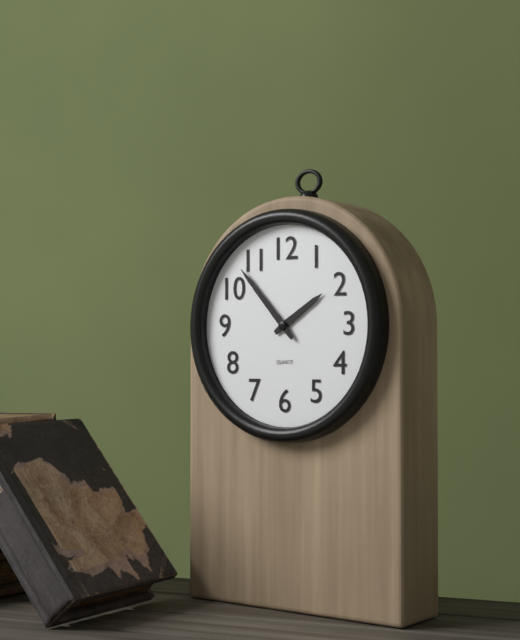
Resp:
h=1 m=53
